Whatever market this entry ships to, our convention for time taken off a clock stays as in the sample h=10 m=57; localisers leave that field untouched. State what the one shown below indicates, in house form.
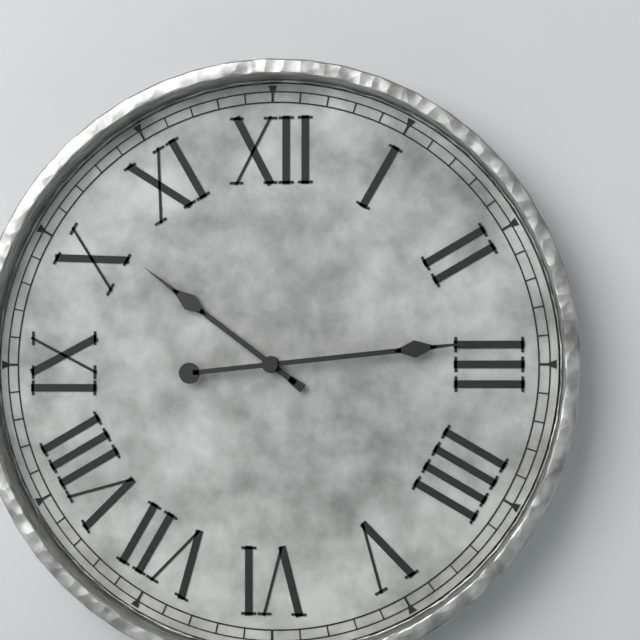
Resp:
h=10 m=14
